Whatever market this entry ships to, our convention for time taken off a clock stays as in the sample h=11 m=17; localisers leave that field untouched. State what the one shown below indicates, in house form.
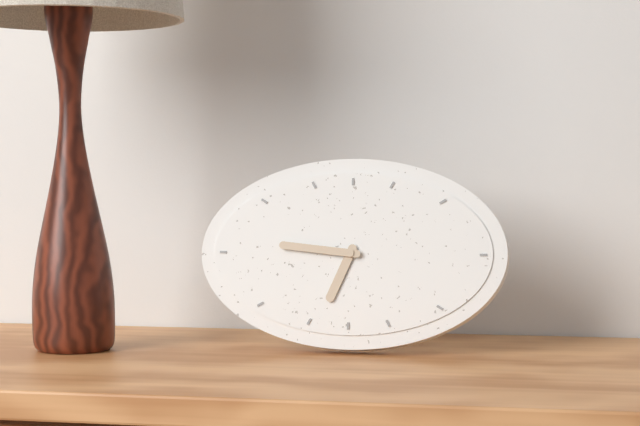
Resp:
h=6 m=46
